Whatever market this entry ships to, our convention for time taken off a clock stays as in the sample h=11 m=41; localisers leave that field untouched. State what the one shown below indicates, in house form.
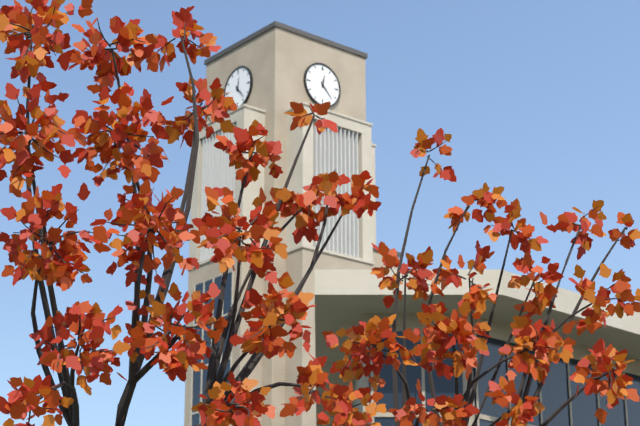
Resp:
h=12 m=23
